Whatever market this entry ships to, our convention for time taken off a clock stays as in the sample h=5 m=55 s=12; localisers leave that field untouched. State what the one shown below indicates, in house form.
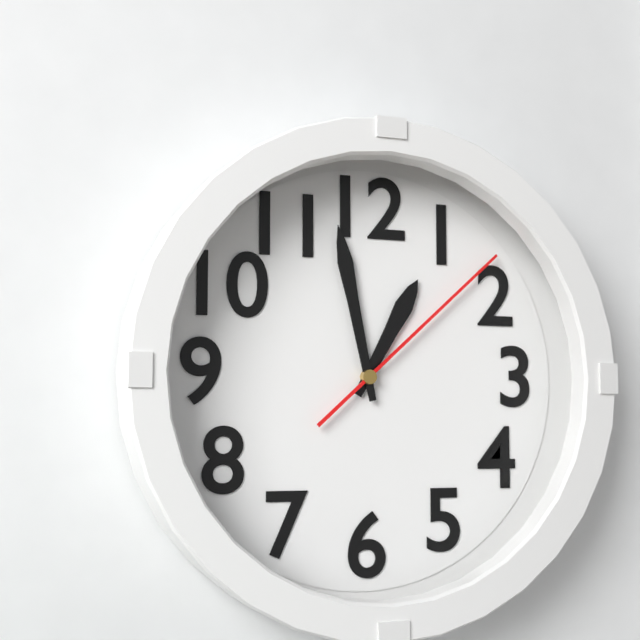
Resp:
h=12 m=58 s=8
